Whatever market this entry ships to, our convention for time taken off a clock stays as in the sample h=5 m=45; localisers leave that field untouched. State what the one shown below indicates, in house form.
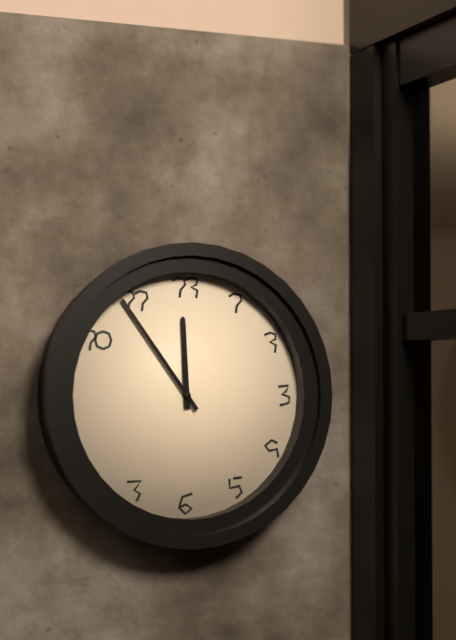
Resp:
h=11 m=54
